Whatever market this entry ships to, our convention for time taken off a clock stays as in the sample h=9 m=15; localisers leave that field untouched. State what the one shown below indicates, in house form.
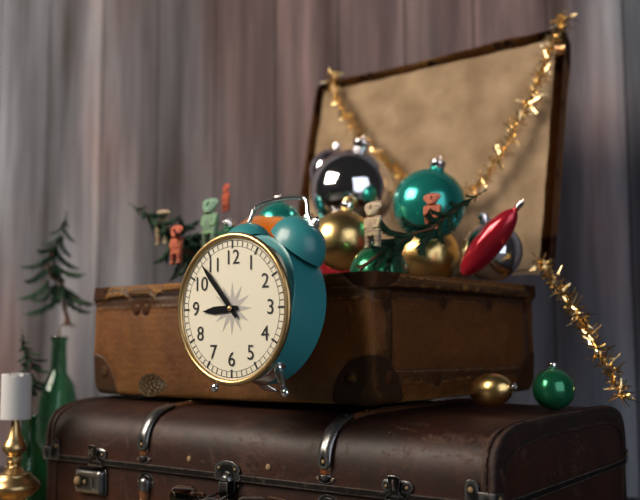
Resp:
h=8 m=53
